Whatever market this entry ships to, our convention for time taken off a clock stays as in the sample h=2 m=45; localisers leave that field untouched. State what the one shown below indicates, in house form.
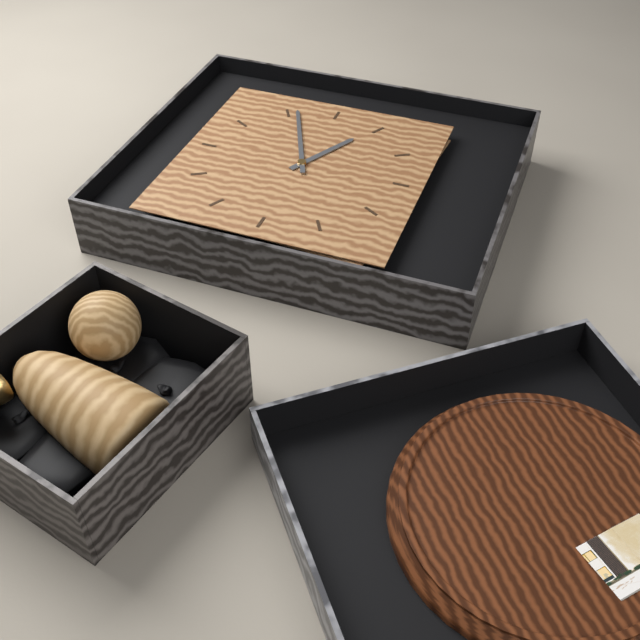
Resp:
h=12 m=56
